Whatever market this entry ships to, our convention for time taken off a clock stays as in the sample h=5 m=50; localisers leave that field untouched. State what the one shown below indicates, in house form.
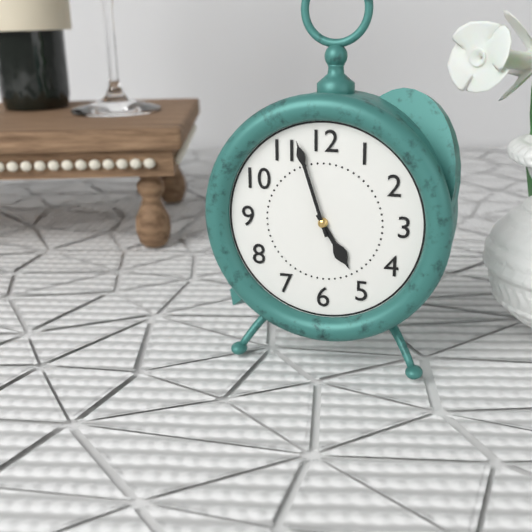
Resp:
h=4 m=57
